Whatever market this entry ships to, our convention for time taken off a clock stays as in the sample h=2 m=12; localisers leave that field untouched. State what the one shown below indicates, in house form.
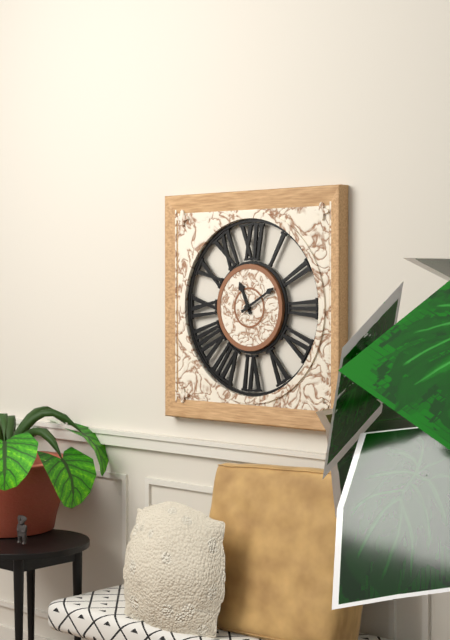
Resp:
h=11 m=10
